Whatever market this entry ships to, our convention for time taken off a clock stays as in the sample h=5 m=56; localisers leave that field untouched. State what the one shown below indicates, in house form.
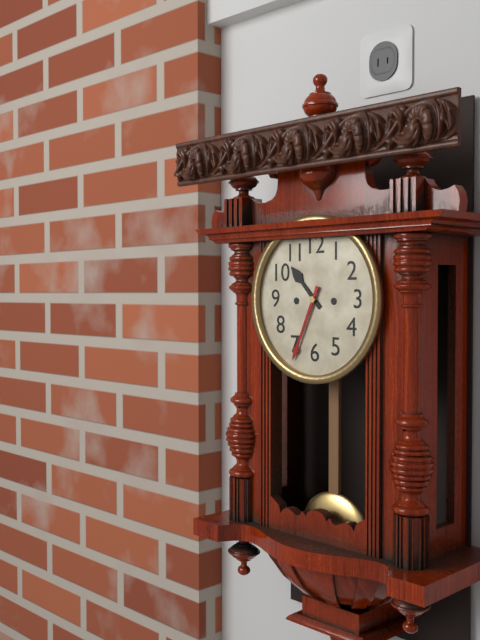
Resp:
h=10 m=34
